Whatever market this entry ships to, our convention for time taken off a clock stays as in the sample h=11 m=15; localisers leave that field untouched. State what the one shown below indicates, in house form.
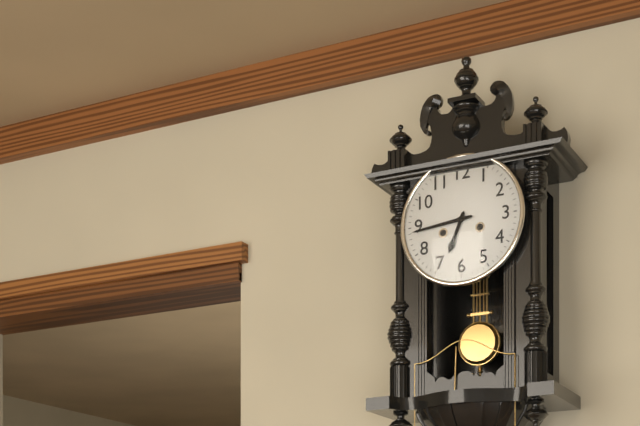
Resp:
h=6 m=44
